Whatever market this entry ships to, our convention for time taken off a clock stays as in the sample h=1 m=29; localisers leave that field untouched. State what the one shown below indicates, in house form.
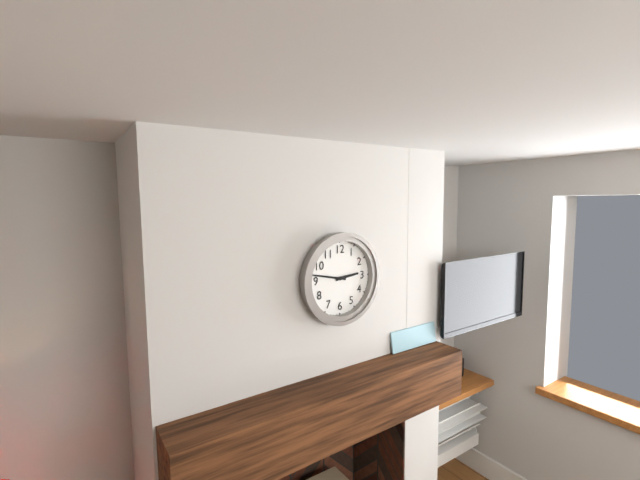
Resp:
h=2 m=47
